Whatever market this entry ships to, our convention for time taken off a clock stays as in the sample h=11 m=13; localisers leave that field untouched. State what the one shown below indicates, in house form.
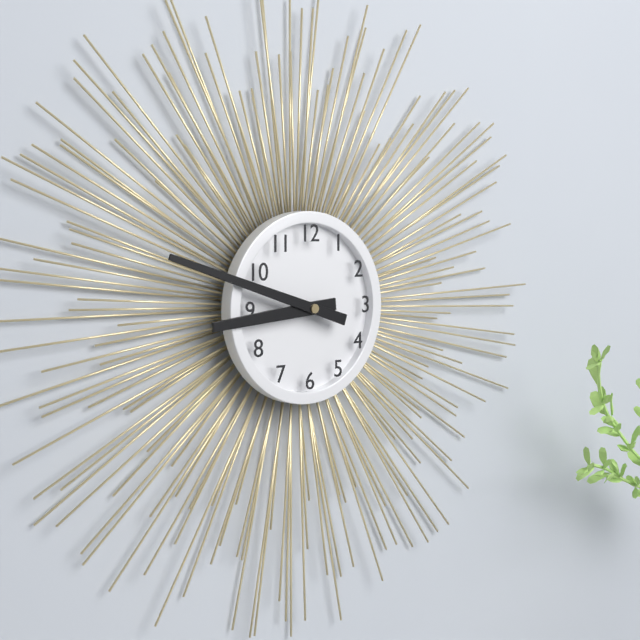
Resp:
h=8 m=48
